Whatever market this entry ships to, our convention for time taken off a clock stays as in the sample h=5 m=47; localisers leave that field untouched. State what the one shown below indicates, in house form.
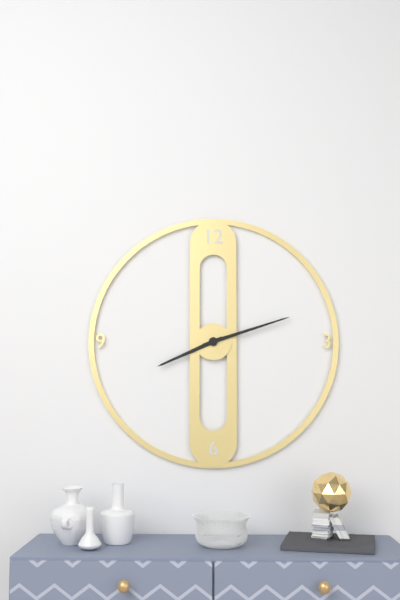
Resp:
h=8 m=12
